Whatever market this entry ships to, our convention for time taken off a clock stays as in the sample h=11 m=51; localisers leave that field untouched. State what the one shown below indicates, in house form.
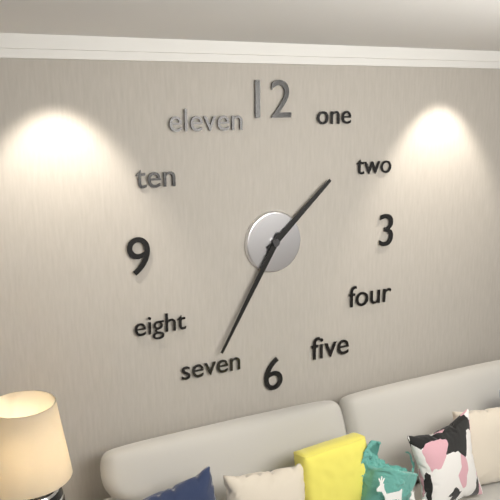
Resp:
h=1 m=35
